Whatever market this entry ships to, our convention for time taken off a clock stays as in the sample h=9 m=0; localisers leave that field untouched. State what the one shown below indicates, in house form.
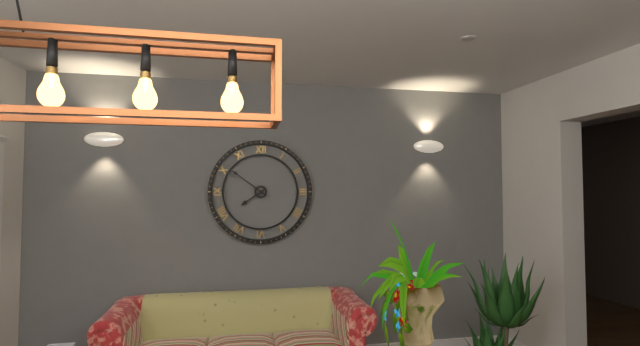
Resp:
h=7 m=51
